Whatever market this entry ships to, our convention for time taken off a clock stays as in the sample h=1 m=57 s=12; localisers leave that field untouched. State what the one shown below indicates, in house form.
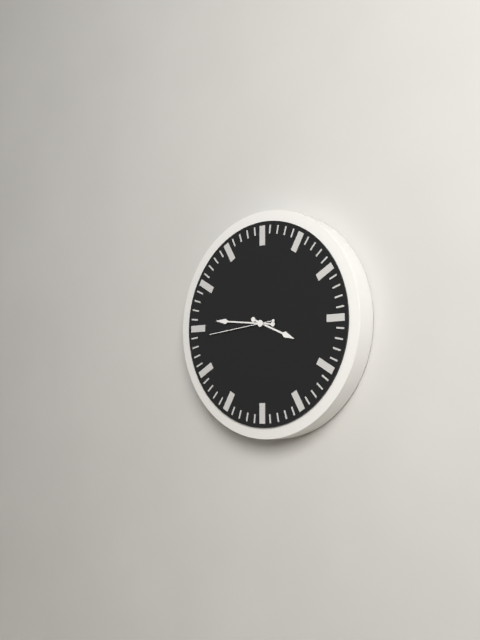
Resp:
h=3 m=46 s=44
